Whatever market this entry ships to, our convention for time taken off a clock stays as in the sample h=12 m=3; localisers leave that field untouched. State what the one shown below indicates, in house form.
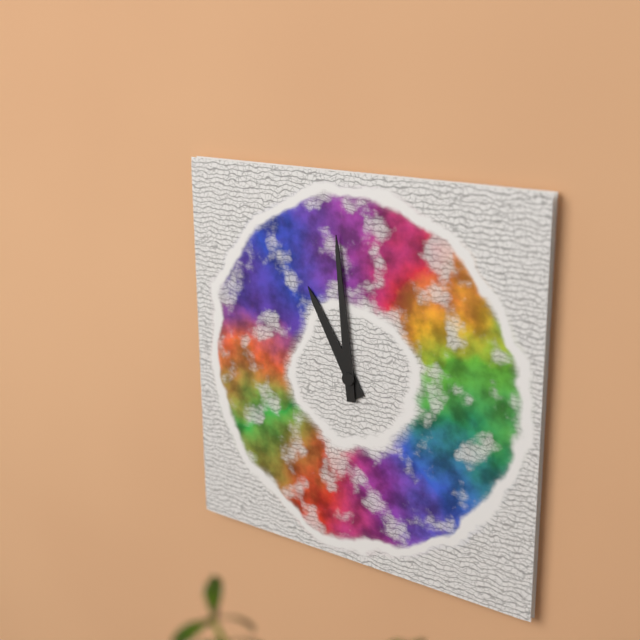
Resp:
h=10 m=59
